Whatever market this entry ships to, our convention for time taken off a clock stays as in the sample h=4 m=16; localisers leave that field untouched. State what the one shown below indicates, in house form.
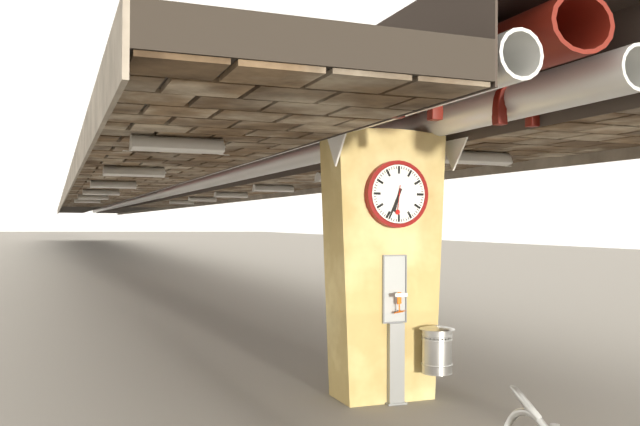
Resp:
h=6 m=34
